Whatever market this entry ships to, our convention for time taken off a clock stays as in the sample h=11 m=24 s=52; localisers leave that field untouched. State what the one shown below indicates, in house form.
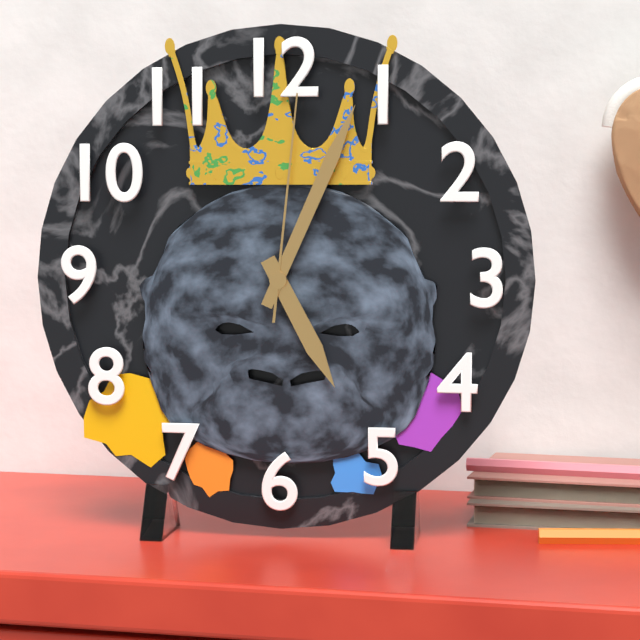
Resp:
h=5 m=4 s=1
